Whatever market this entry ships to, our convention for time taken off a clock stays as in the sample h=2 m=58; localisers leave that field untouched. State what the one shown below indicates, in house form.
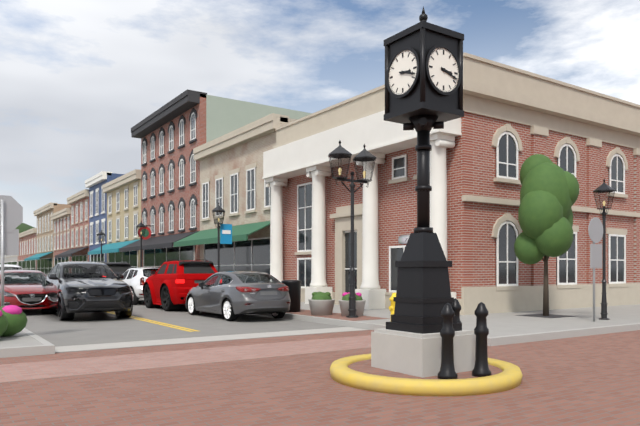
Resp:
h=3 m=18
